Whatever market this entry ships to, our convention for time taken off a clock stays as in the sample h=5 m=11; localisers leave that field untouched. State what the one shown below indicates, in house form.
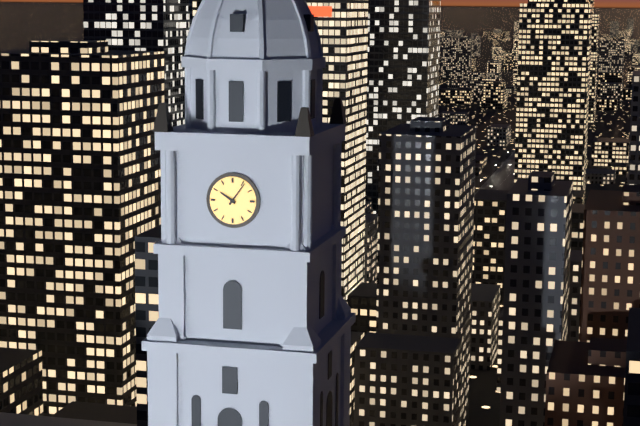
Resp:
h=10 m=6
